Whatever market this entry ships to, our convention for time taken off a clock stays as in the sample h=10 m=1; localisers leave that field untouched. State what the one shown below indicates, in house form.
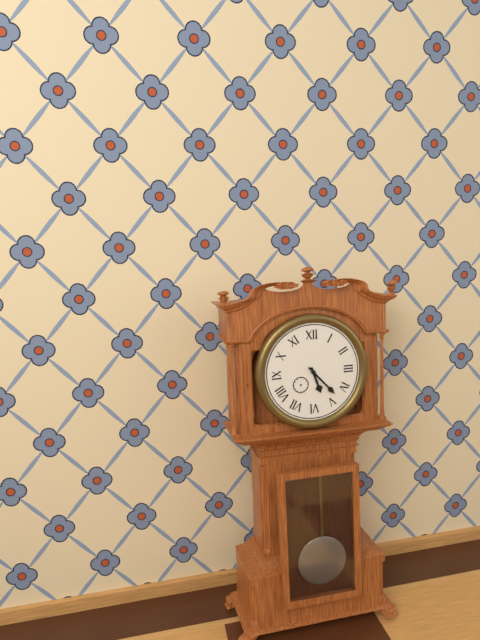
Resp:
h=5 m=23
